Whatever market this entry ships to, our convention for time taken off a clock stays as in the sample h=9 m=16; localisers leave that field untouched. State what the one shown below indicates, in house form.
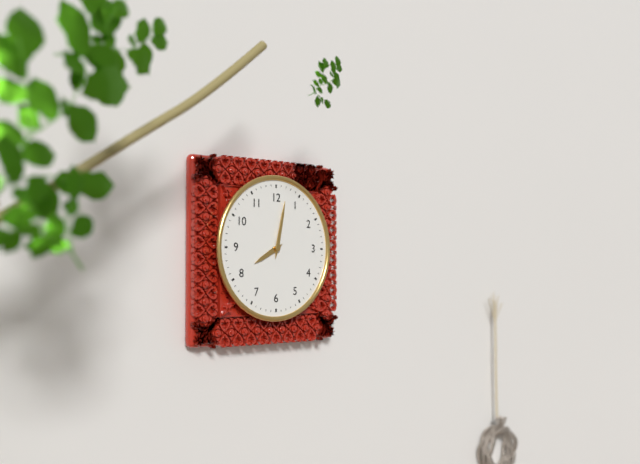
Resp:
h=8 m=2
